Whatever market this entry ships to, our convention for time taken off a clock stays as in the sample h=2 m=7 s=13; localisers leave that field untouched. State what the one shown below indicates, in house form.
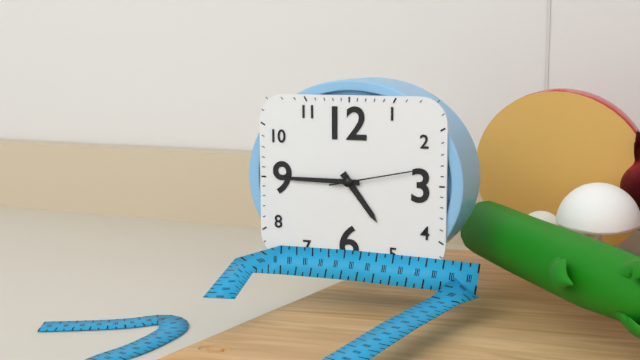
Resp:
h=4 m=45 s=13
